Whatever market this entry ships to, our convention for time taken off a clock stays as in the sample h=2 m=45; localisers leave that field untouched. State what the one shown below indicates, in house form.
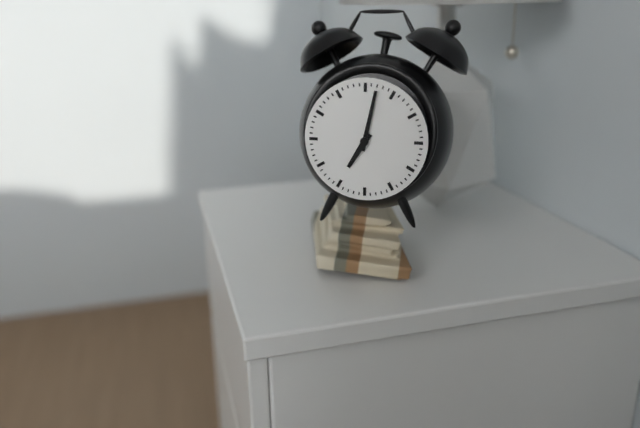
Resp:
h=7 m=2
